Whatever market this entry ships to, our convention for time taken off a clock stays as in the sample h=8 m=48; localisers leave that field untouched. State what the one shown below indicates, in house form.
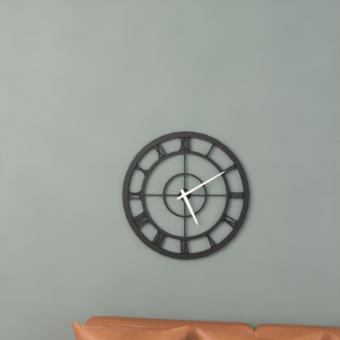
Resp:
h=5 m=10
